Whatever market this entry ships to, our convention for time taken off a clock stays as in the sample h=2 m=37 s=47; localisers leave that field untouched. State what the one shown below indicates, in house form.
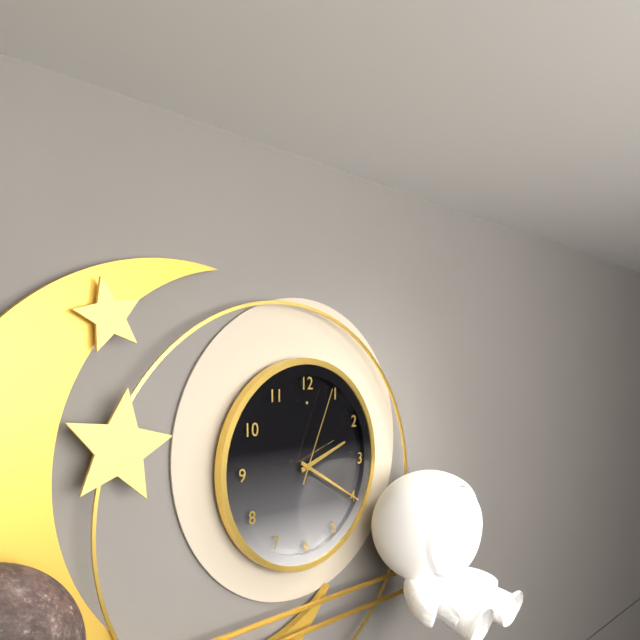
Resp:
h=2 m=20 s=4
